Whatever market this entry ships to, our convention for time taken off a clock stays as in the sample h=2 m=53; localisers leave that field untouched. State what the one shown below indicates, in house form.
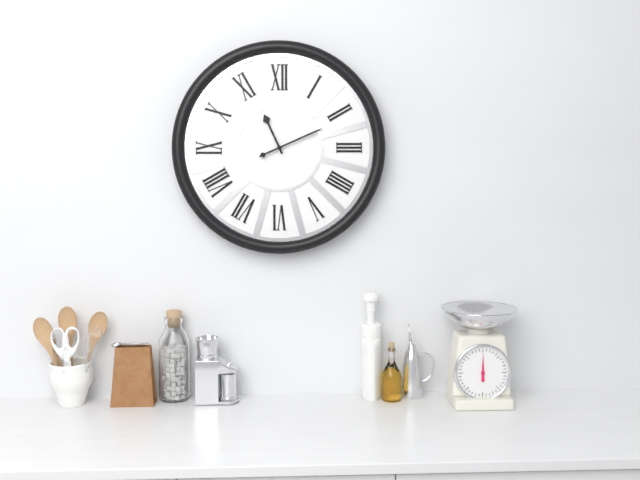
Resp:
h=11 m=11
